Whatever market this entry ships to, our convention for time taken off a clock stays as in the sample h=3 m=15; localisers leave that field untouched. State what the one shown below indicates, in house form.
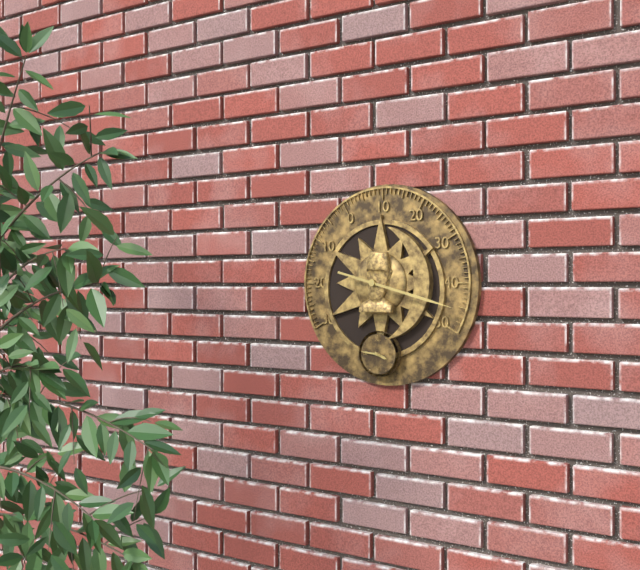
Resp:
h=3 m=46
